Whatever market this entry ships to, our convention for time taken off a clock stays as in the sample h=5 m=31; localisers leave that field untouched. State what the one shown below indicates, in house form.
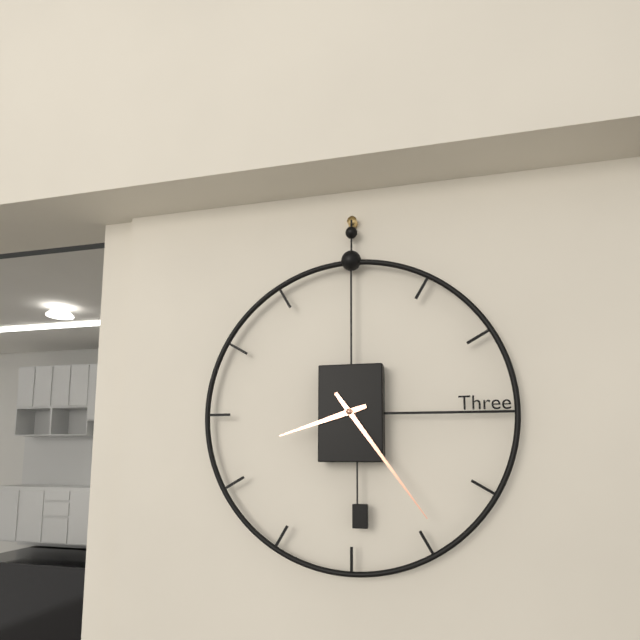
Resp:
h=8 m=24
